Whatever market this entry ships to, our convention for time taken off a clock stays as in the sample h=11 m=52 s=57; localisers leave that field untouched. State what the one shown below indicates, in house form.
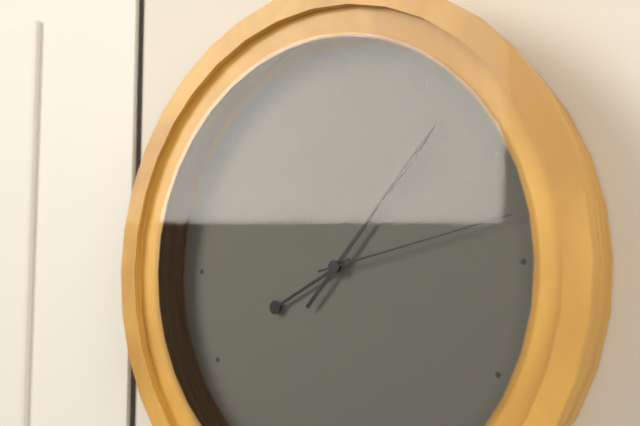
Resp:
h=8 m=7 s=13
